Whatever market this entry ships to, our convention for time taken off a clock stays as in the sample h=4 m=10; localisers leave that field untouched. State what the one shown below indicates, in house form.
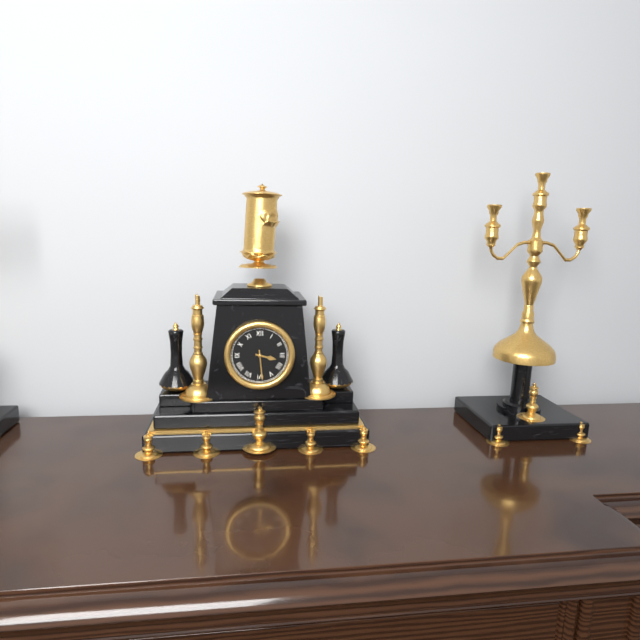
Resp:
h=3 m=29
